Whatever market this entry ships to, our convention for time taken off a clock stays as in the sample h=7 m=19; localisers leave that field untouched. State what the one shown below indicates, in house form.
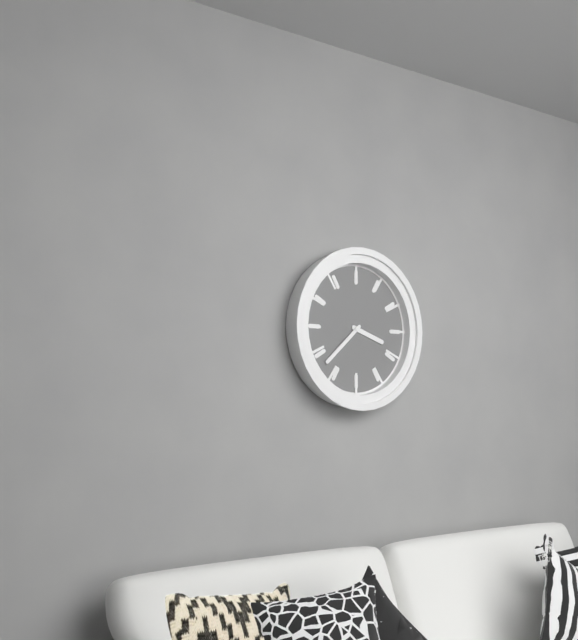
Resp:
h=3 m=38
